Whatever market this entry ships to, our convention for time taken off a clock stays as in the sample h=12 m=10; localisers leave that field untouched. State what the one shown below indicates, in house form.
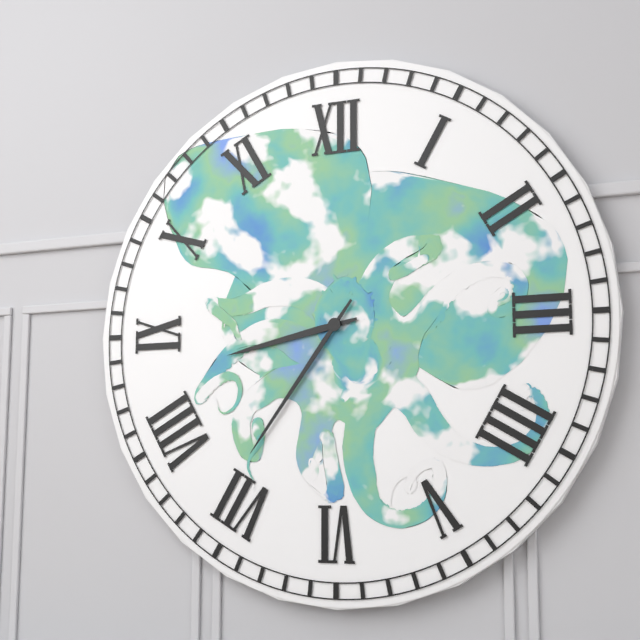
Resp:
h=8 m=36
